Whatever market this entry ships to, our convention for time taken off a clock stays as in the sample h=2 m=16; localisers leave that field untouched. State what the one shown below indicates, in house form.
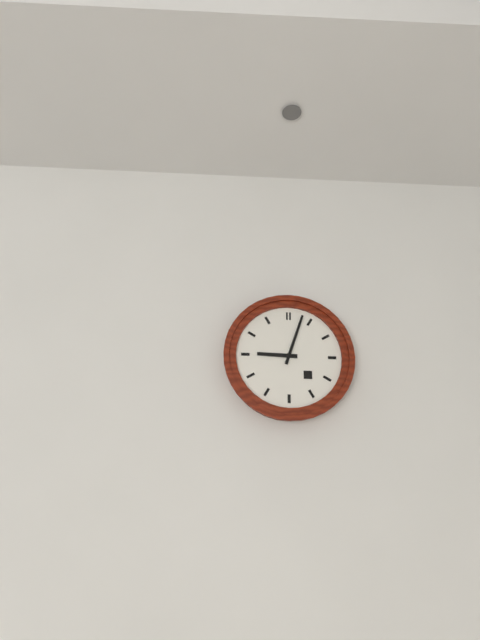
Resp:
h=9 m=3
